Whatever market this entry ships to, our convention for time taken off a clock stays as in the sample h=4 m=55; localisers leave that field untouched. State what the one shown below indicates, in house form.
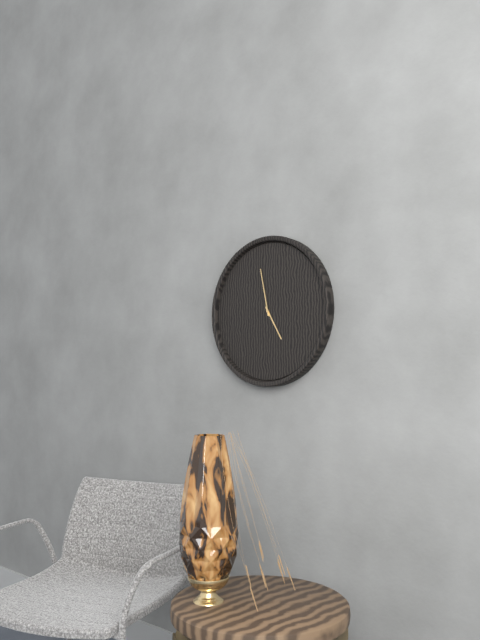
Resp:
h=4 m=58
